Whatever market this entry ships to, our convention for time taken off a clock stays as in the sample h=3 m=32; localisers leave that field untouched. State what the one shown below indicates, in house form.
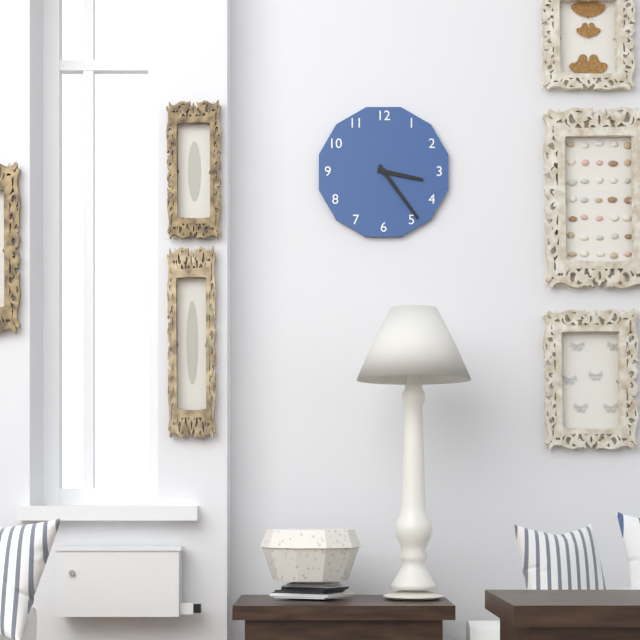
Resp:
h=3 m=24
